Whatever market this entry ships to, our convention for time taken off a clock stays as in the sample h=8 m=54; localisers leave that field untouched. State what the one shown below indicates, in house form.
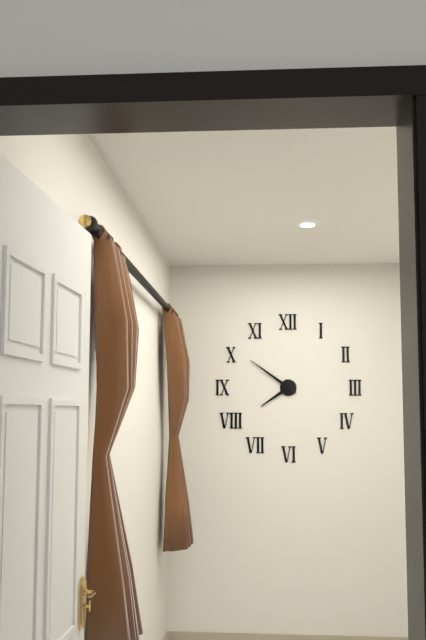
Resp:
h=7 m=51
